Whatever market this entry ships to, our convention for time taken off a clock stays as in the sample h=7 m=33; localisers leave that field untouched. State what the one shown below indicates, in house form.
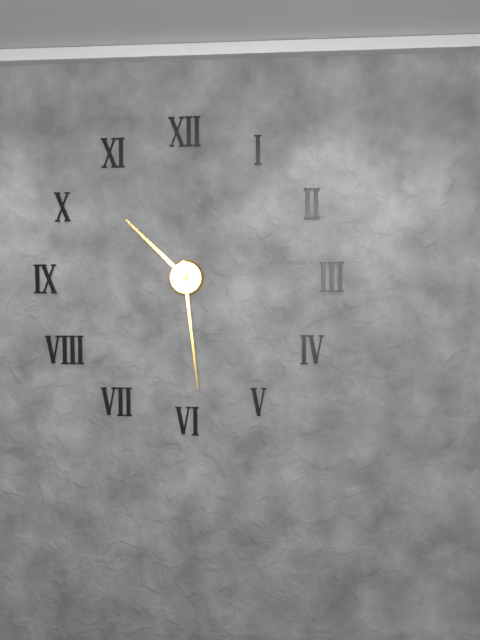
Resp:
h=10 m=29
